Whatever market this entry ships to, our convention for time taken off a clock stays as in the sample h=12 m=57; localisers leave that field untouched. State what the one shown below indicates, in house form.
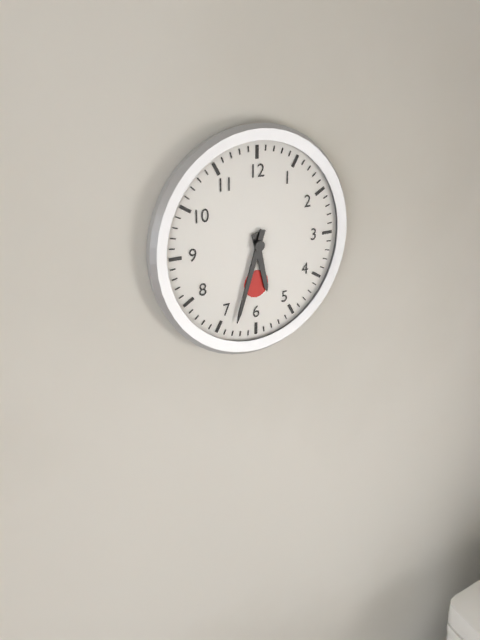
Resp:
h=5 m=33
